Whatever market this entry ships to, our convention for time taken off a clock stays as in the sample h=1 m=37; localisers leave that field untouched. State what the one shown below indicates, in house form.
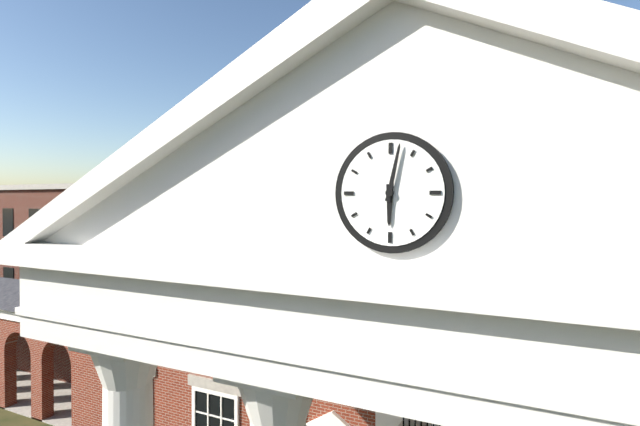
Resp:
h=6 m=2
